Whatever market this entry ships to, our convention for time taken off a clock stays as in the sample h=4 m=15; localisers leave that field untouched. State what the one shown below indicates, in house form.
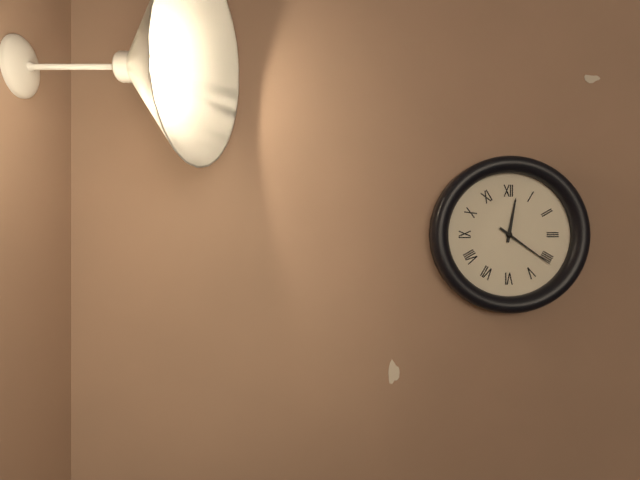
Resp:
h=12 m=21
